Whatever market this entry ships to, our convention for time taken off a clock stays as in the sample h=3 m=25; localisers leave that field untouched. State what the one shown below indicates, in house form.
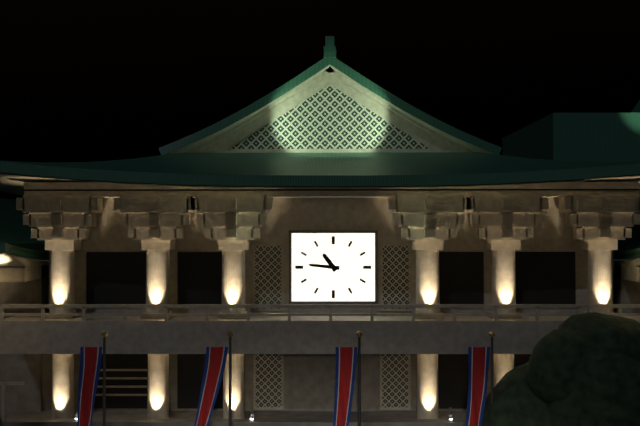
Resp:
h=10 m=46
